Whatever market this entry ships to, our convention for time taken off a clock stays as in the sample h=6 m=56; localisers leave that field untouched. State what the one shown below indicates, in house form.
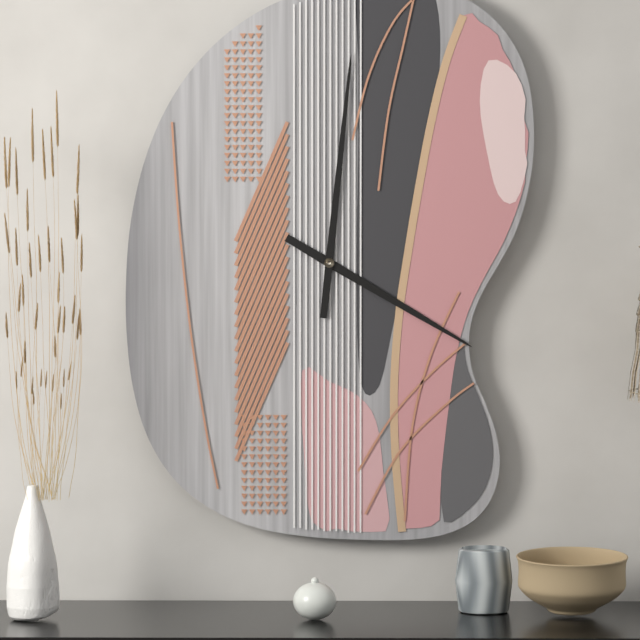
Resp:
h=4 m=1
